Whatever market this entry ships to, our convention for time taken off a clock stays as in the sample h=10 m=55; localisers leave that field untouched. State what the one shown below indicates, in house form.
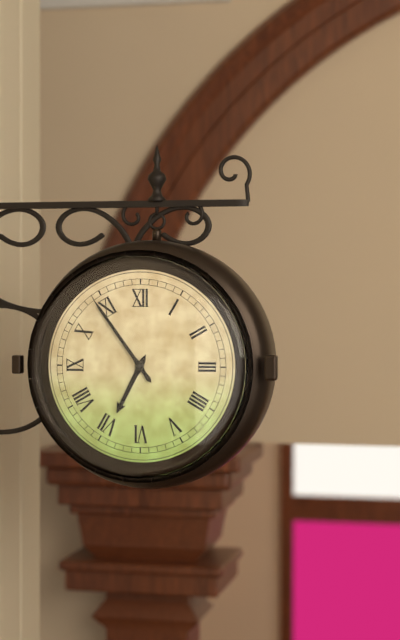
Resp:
h=6 m=54
